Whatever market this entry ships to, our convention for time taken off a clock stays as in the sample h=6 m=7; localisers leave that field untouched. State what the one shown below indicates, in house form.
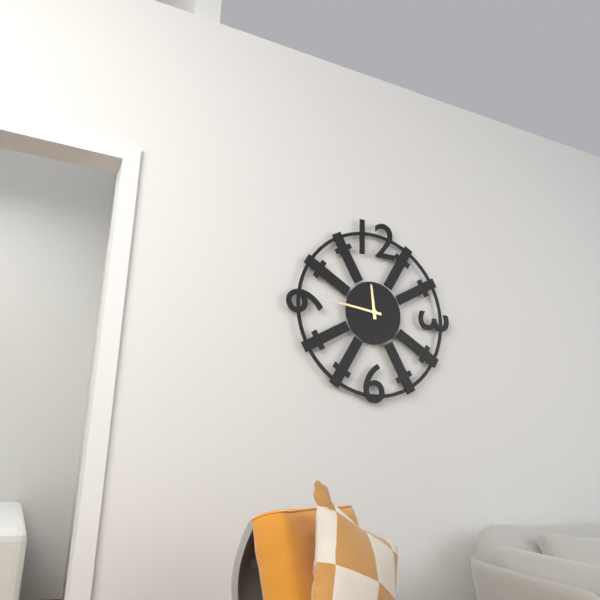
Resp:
h=11 m=46
